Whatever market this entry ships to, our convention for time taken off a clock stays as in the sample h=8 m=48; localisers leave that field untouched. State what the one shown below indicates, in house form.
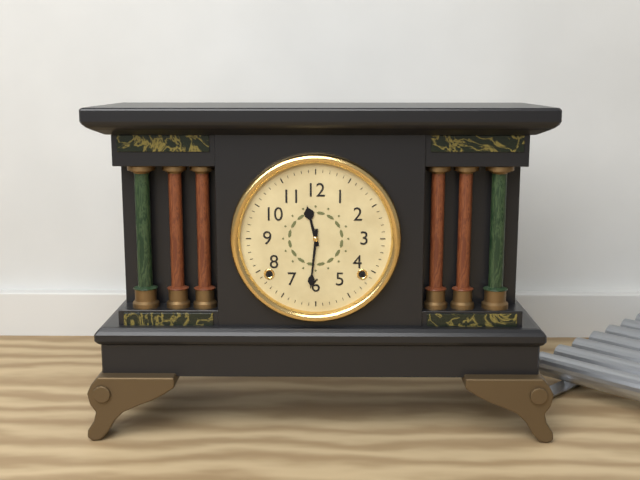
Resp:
h=11 m=31
